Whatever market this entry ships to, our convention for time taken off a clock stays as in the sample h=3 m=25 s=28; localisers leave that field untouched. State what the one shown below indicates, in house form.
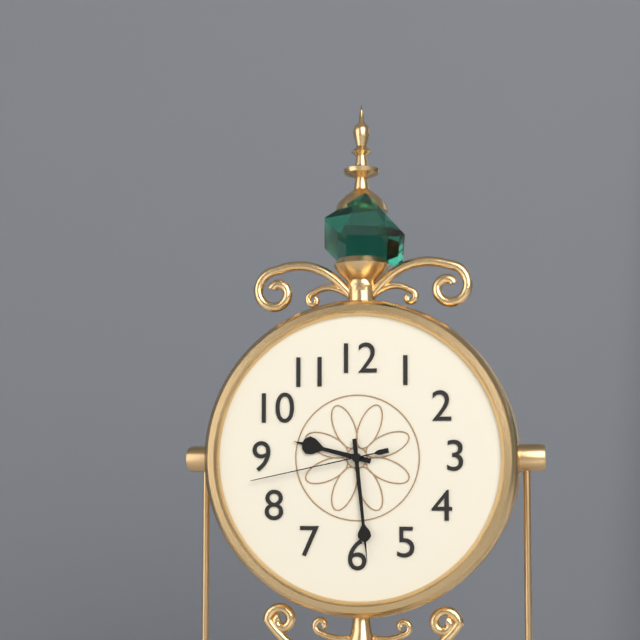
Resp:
h=9 m=29 s=43
